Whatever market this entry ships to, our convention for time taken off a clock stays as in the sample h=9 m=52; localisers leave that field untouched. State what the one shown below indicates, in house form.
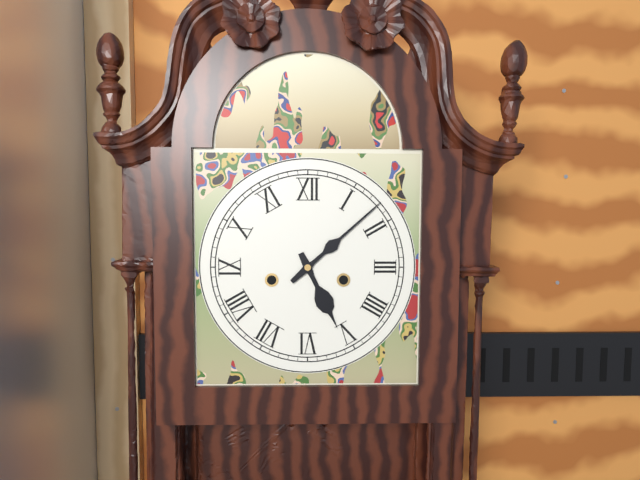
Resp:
h=5 m=8
